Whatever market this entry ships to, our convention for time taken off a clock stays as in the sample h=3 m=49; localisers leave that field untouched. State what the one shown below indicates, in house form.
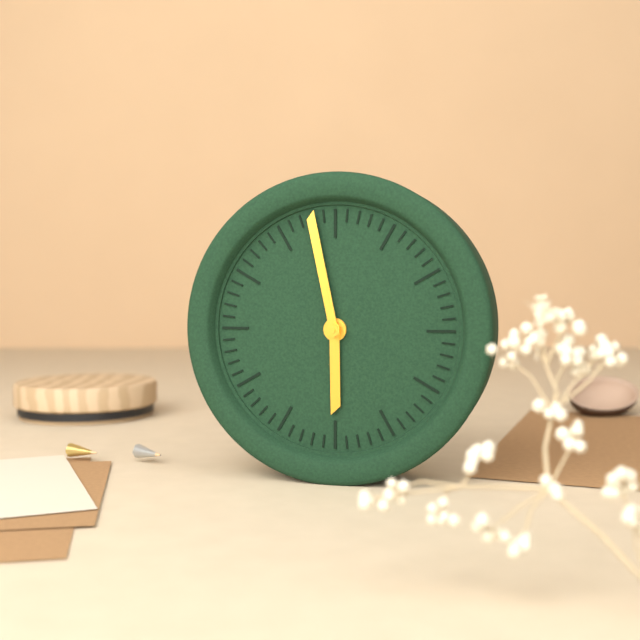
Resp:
h=5 m=58
